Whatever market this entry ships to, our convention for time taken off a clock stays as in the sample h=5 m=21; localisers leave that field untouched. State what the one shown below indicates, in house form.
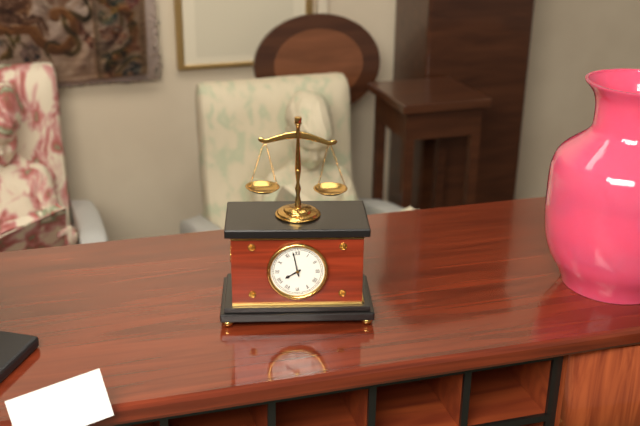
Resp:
h=7 m=58
